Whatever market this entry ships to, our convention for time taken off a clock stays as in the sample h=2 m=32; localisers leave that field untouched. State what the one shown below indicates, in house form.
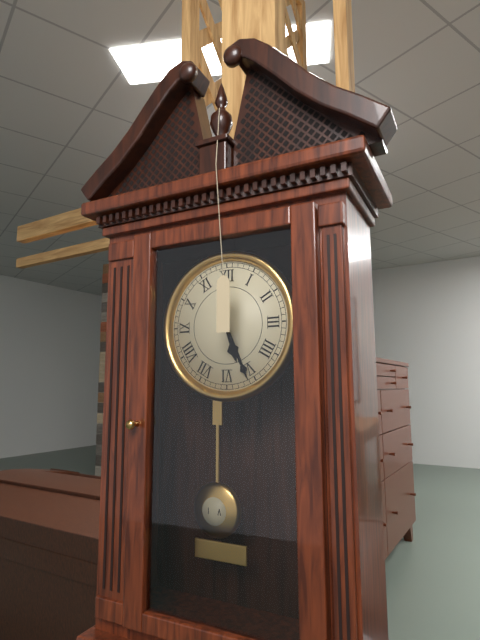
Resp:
h=5 m=26
